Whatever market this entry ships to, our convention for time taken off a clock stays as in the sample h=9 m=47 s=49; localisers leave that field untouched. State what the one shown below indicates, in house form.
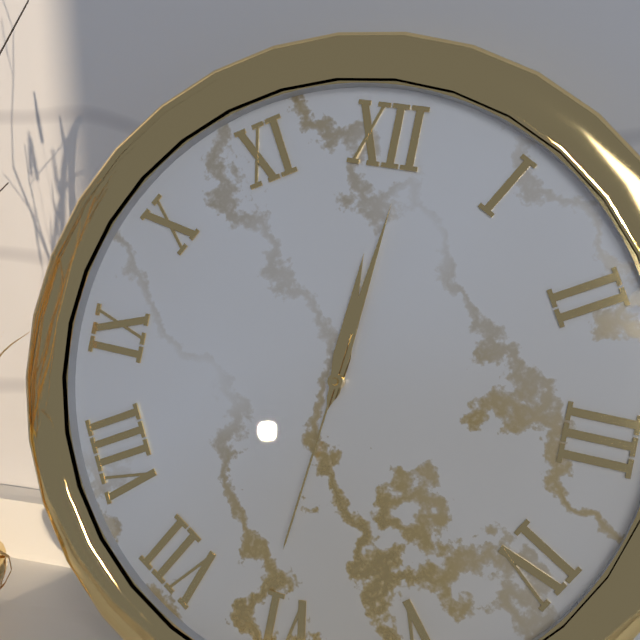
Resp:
h=12 m=1 s=31
